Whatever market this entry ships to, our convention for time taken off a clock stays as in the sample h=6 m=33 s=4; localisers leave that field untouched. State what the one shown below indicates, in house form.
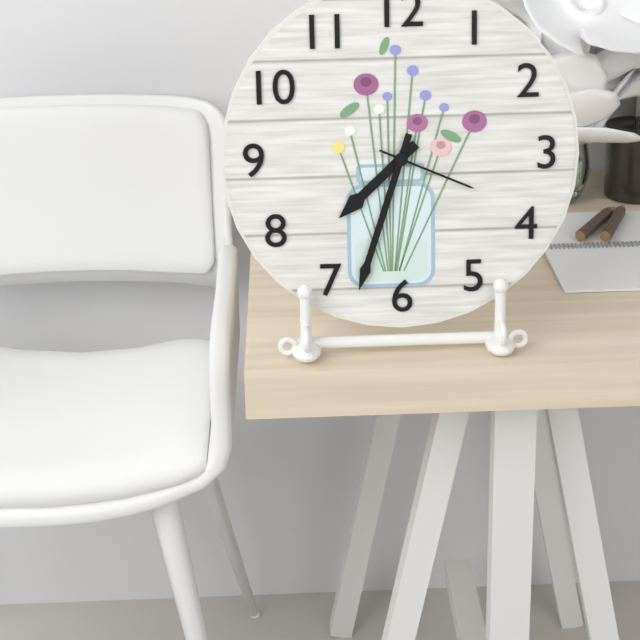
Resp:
h=7 m=33 s=19
